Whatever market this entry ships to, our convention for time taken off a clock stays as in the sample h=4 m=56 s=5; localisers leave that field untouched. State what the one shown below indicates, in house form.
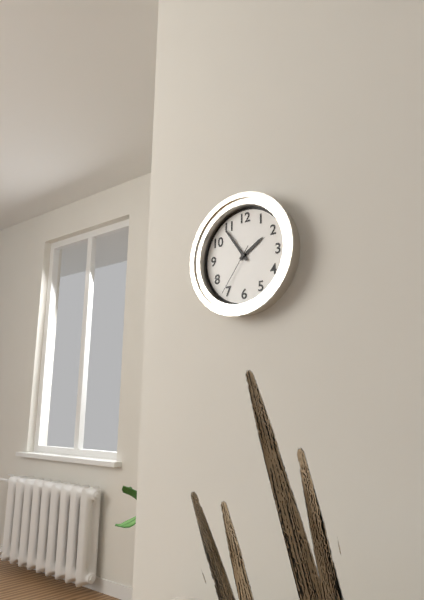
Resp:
h=1 m=54 s=36
